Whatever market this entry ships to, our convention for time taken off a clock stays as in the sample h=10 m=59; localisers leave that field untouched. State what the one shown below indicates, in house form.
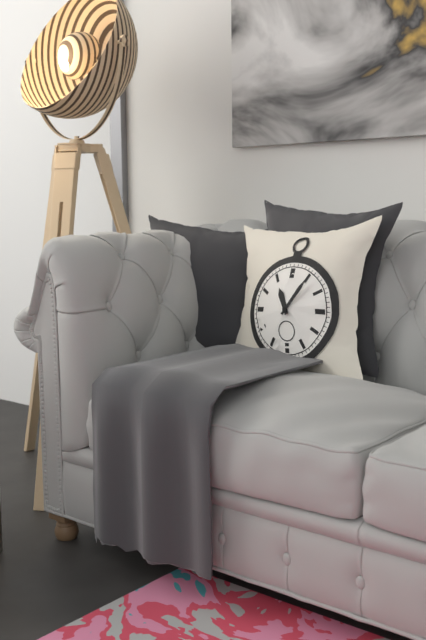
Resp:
h=11 m=6
